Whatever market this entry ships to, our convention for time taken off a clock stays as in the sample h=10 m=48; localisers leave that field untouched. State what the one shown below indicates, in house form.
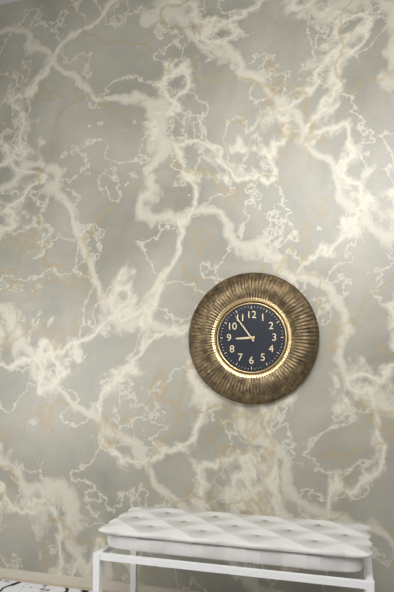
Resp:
h=8 m=54
